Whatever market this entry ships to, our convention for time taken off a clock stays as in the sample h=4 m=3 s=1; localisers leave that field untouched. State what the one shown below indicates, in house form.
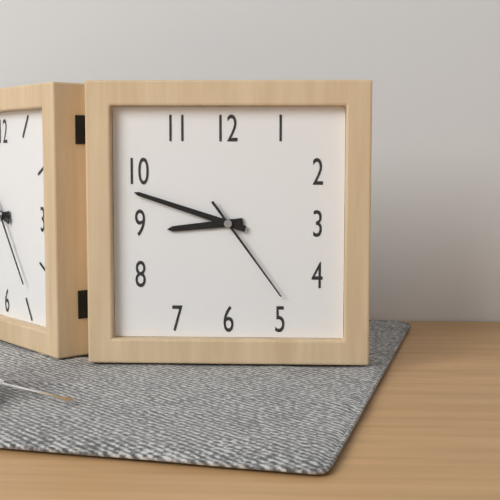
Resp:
h=8 m=48 s=24
